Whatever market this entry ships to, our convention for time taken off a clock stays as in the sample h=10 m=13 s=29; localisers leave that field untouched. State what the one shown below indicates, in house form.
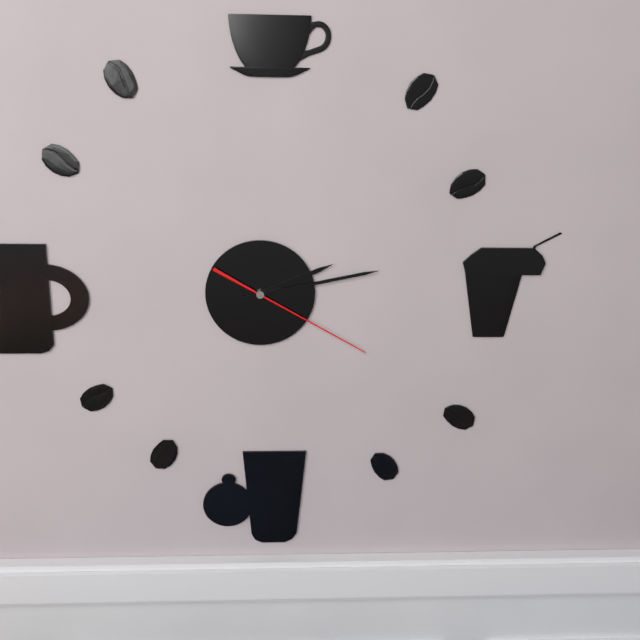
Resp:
h=2 m=13 s=20
